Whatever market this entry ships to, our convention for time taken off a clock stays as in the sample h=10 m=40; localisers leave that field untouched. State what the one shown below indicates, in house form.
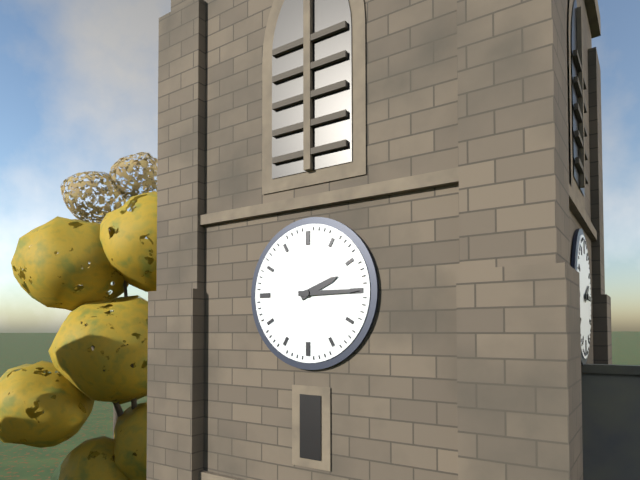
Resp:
h=2 m=15
